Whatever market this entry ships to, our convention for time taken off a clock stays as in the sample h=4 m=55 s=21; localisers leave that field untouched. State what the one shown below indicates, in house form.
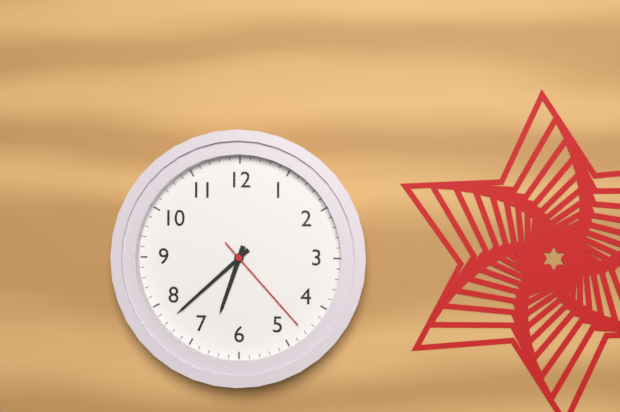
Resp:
h=6 m=38 s=23
